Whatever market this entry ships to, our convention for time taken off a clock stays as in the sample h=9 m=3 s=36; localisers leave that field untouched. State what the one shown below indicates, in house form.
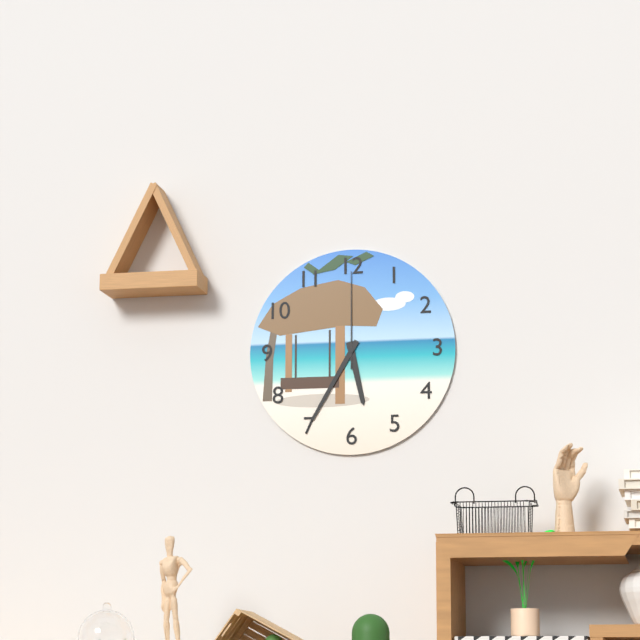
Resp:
h=5 m=35 s=0
